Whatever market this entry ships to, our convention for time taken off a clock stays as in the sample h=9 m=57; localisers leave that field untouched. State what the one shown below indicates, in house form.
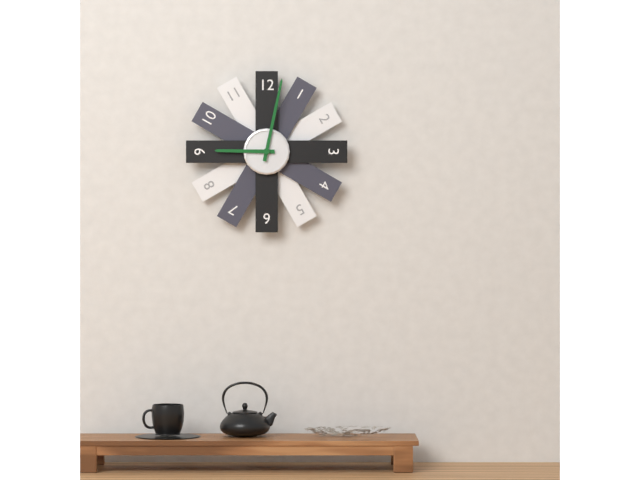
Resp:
h=9 m=2
